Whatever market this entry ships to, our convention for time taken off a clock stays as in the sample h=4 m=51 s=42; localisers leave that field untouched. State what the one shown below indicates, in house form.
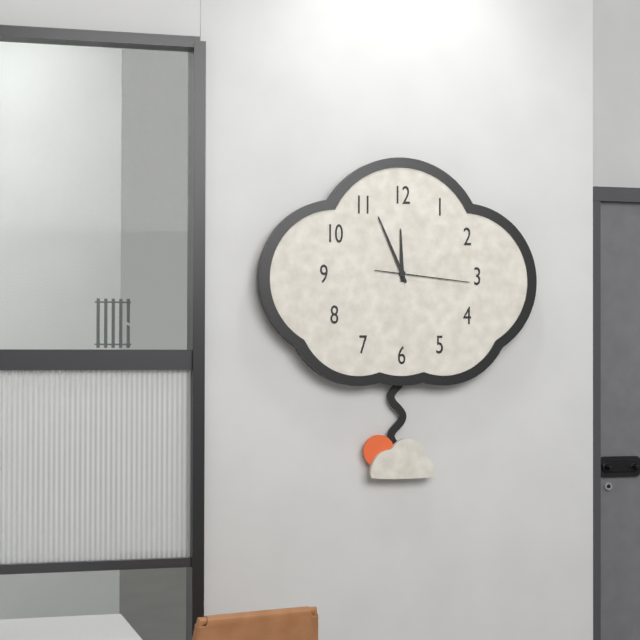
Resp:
h=11 m=56 s=16
